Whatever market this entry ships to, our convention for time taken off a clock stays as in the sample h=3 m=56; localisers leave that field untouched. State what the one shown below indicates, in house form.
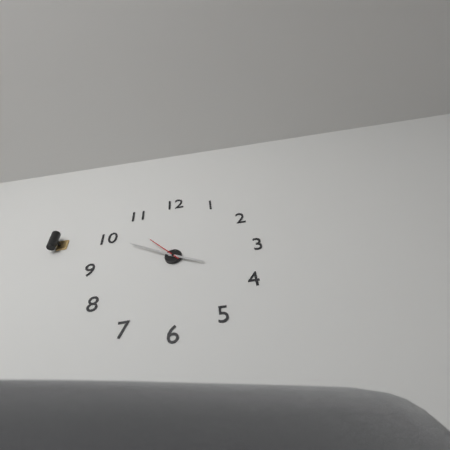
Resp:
h=3 m=50
